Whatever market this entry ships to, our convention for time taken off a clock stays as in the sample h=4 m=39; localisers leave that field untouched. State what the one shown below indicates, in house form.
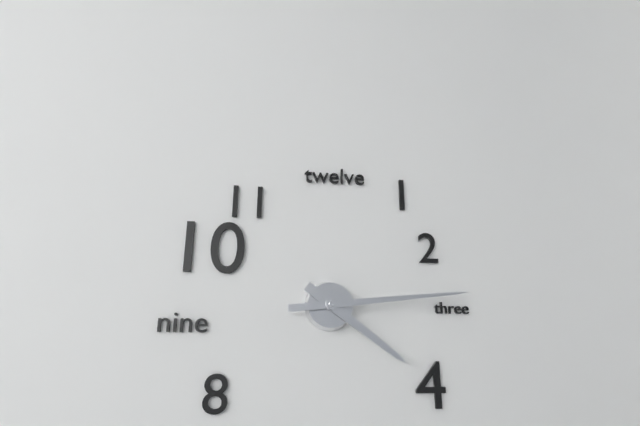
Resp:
h=4 m=14
